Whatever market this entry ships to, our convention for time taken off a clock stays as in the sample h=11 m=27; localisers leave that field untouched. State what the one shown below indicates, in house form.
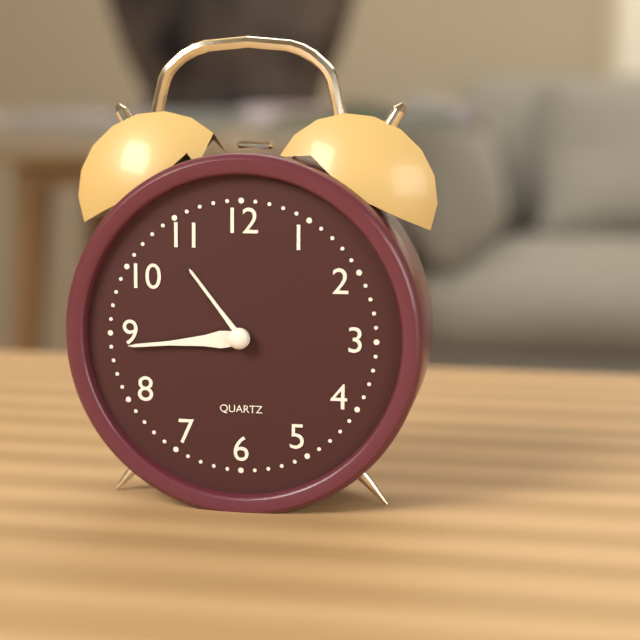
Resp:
h=10 m=44
